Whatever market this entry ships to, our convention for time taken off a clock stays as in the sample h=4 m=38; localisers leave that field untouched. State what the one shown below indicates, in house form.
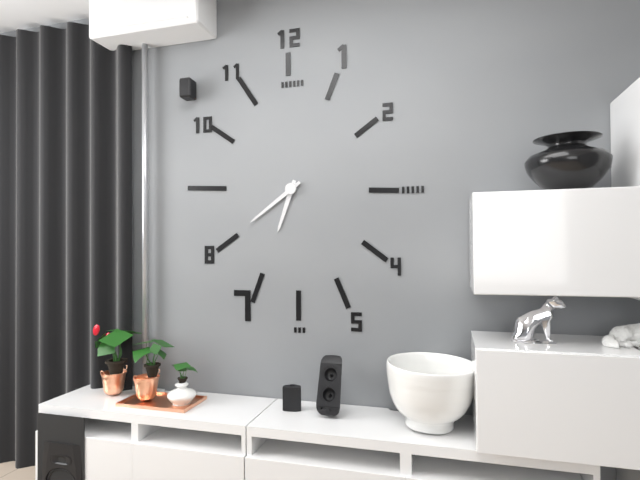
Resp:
h=6 m=39
